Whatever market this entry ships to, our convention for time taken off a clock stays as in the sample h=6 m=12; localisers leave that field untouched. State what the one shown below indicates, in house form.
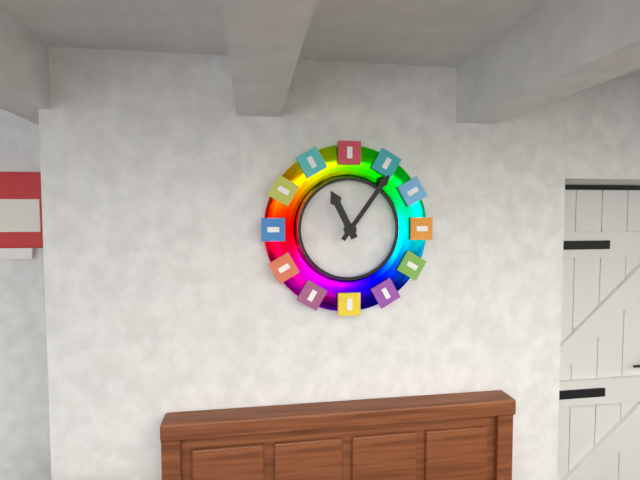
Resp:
h=11 m=6
